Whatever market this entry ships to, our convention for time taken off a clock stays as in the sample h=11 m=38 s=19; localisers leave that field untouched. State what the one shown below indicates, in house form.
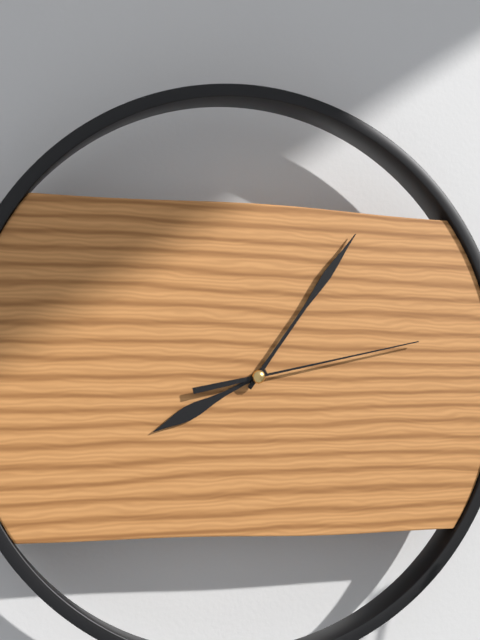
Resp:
h=8 m=6 s=13
